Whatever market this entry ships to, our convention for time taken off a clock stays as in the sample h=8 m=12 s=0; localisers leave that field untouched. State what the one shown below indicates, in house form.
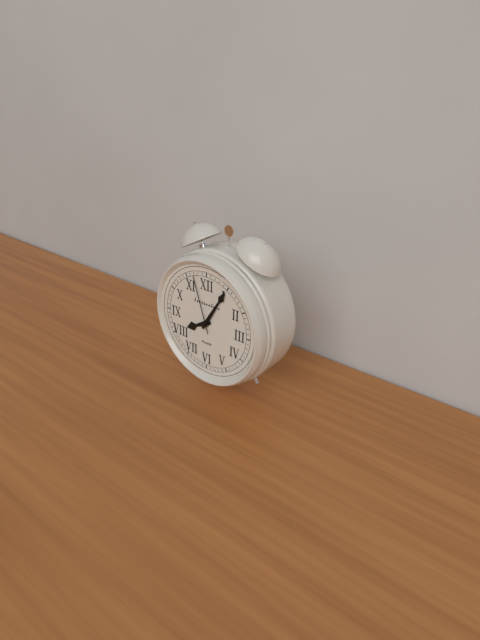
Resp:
h=8 m=5 s=57
